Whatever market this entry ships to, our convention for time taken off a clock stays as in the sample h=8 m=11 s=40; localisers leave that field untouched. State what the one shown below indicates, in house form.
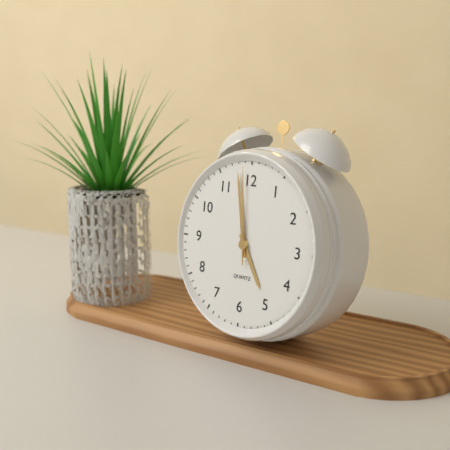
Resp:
h=4 m=58 s=59
